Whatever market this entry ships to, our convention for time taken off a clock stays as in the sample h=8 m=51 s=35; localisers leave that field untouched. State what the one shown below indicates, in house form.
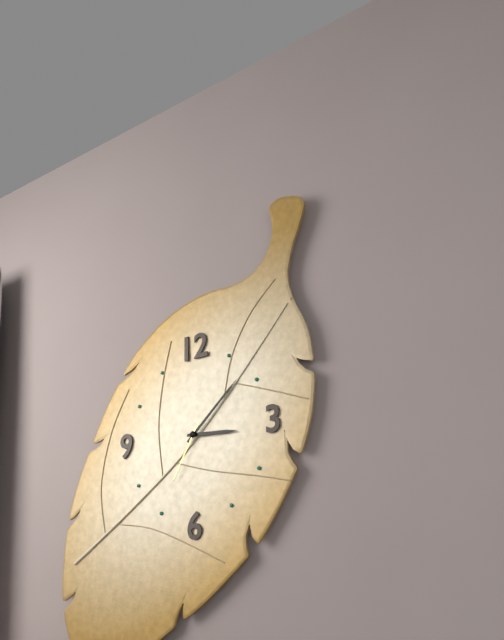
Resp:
h=3 m=8 s=35
